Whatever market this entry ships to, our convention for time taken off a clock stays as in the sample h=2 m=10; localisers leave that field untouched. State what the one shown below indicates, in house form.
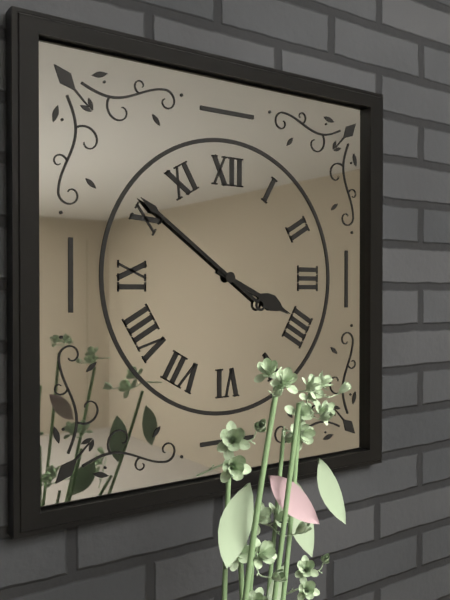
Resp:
h=3 m=51
